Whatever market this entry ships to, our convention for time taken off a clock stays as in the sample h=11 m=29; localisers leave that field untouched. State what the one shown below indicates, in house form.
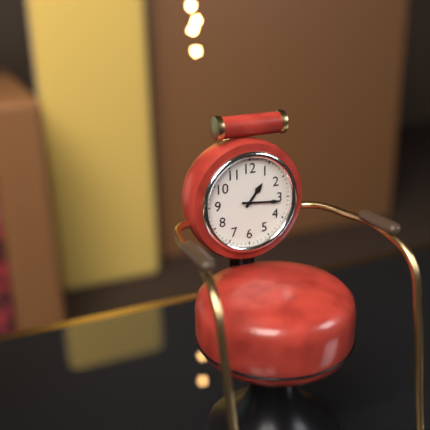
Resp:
h=1 m=16
